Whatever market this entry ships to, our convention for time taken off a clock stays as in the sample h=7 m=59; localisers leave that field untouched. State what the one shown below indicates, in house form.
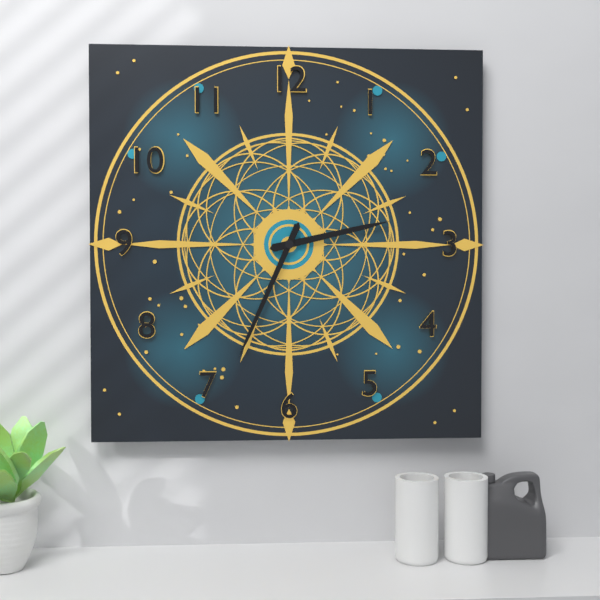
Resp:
h=2 m=34
